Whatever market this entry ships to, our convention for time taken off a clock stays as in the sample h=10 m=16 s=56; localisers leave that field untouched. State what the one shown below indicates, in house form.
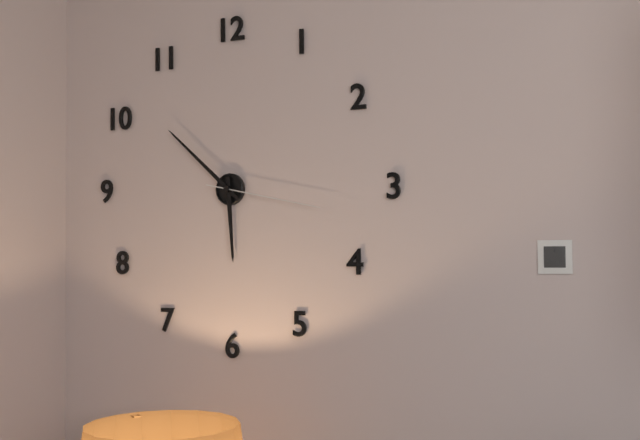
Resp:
h=5 m=52 s=17
